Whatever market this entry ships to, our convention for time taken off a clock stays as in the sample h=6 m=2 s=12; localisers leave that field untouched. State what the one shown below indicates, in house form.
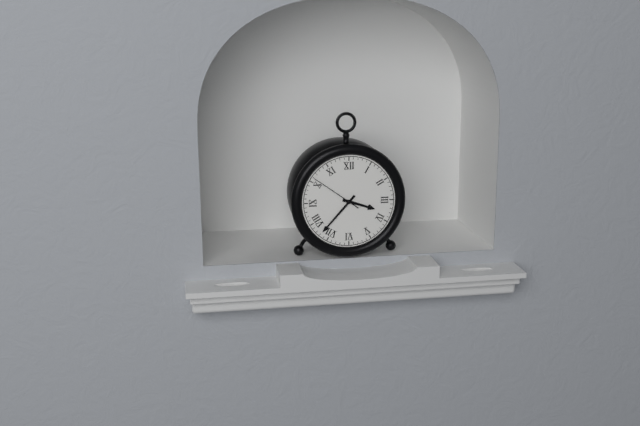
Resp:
h=3 m=37 s=51
